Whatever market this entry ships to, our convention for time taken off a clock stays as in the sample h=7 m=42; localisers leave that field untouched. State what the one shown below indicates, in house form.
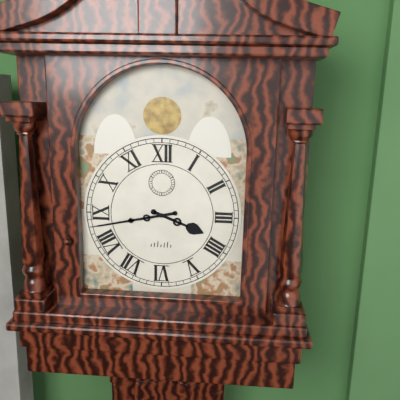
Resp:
h=3 m=43
